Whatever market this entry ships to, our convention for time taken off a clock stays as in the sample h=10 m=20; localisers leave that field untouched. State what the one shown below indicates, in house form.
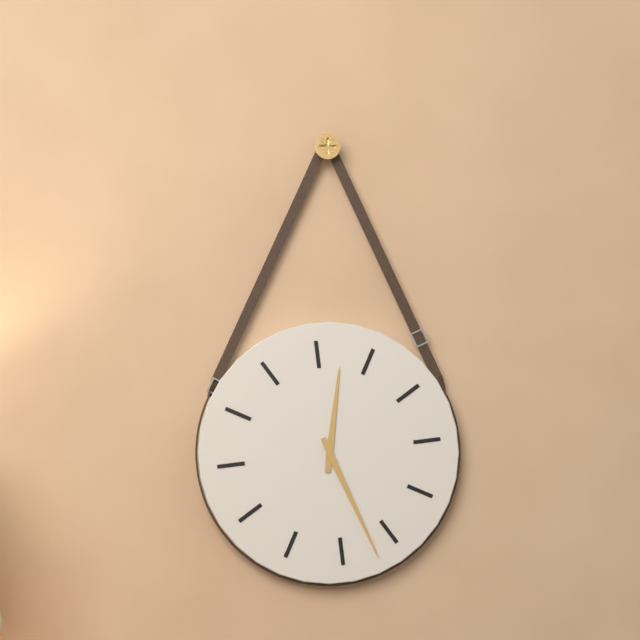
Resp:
h=12 m=27
